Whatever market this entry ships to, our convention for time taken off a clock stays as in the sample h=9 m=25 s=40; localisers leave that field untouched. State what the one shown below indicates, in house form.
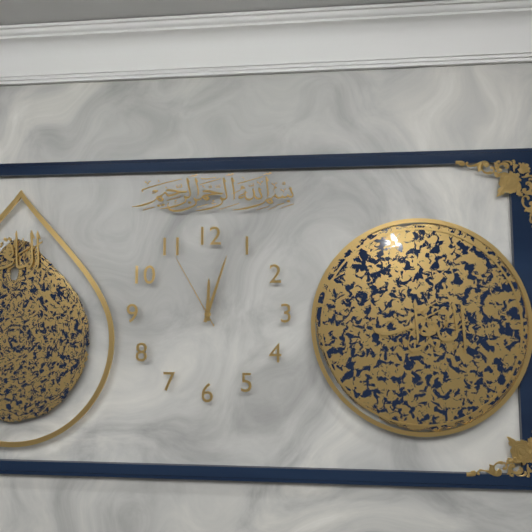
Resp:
h=12 m=3 s=55
